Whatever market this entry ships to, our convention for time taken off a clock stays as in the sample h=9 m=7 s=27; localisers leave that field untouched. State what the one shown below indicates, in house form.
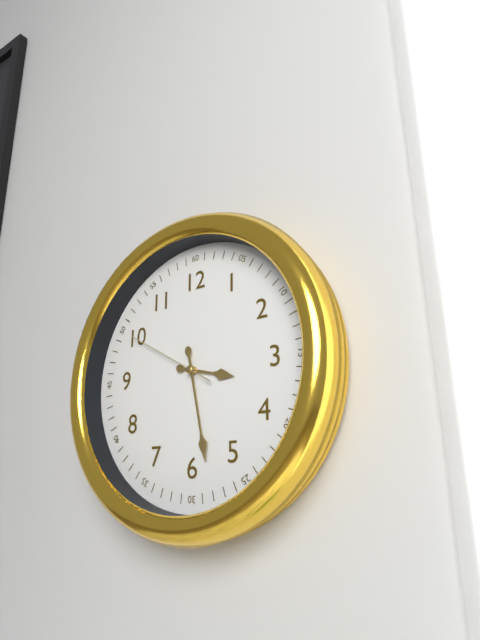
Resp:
h=3 m=28 s=50
